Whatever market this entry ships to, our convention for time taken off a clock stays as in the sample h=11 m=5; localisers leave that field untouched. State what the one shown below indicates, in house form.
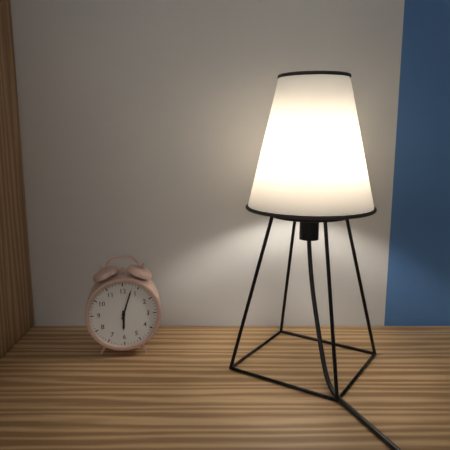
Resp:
h=6 m=3
